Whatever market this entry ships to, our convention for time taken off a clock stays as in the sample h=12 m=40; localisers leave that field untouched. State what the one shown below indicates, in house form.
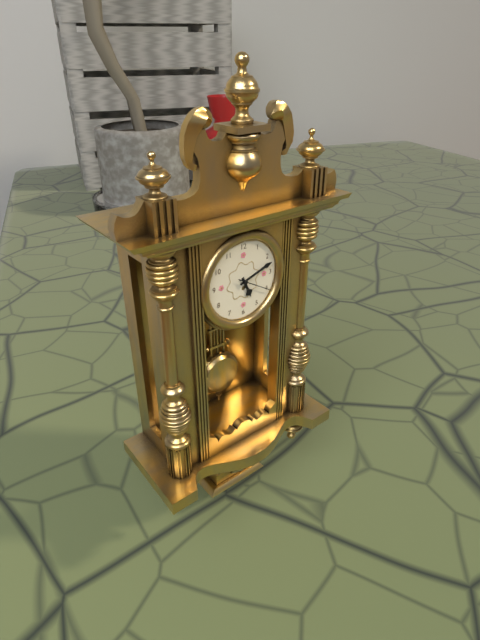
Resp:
h=5 m=12
